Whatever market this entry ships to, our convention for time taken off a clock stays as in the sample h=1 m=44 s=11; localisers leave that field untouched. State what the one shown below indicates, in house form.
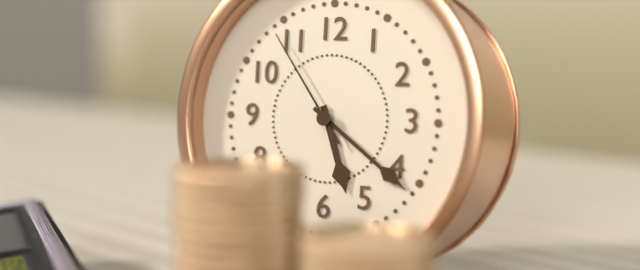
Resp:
h=5 m=21 s=54
